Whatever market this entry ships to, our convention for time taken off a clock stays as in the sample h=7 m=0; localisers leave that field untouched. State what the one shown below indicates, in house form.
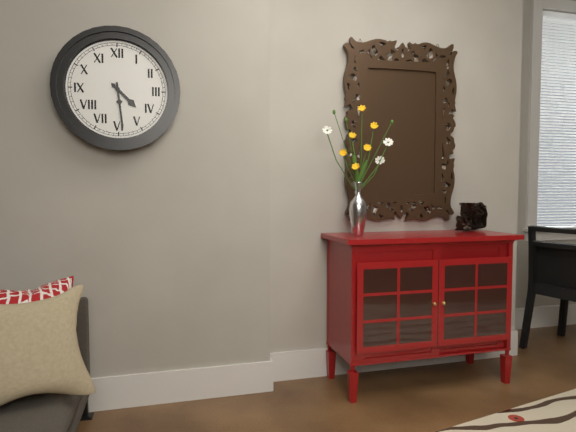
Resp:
h=4 m=29
